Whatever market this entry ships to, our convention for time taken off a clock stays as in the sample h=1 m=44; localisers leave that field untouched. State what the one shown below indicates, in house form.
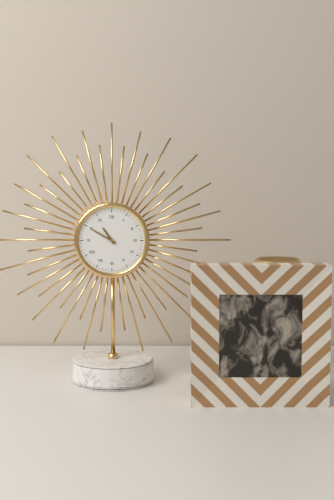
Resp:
h=10 m=50
